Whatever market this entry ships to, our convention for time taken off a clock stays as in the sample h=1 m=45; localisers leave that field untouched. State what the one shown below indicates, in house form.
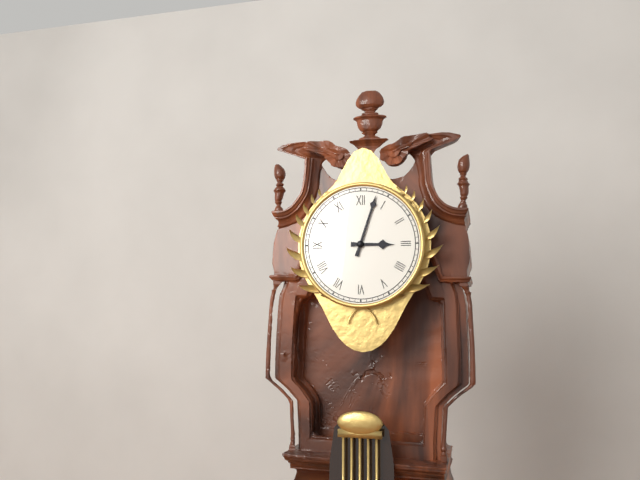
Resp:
h=3 m=3
